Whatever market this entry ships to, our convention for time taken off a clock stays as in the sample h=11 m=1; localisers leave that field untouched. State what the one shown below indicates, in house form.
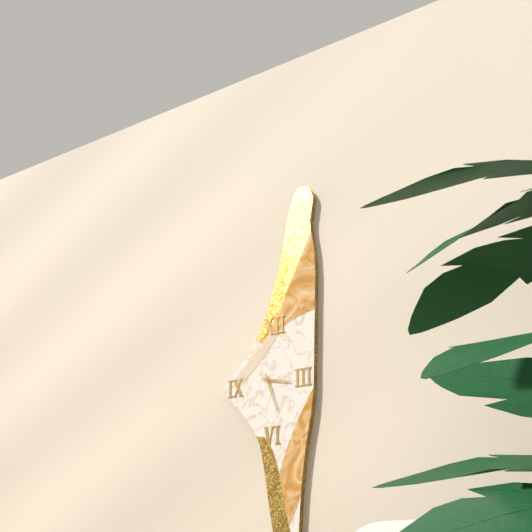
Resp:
h=3 m=27
